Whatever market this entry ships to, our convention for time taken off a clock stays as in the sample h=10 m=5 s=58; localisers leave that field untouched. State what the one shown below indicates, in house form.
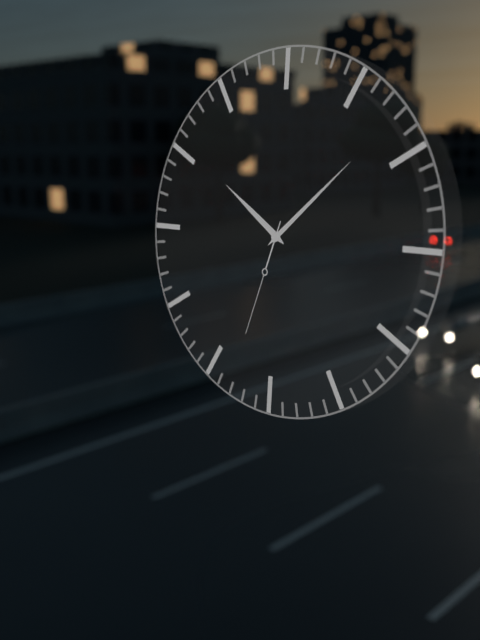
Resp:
h=10 m=8 s=33
